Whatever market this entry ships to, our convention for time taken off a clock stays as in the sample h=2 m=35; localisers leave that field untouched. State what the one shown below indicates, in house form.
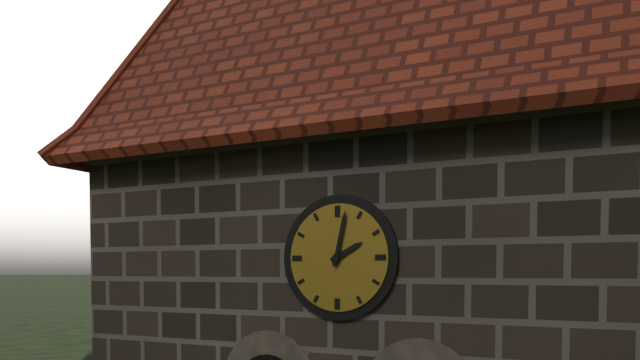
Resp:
h=2 m=2
